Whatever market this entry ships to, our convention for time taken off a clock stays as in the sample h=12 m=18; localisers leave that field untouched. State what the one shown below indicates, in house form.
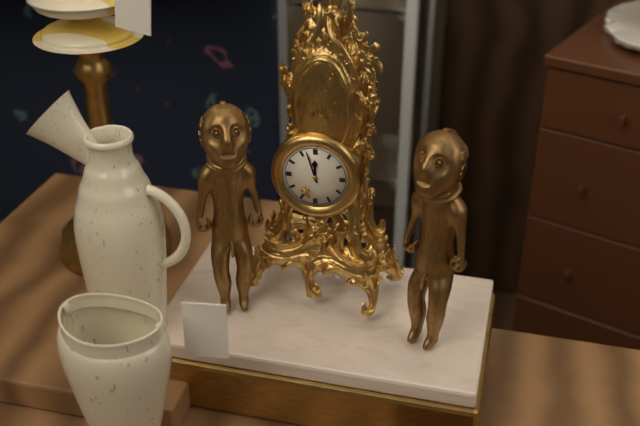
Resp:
h=11 m=57
